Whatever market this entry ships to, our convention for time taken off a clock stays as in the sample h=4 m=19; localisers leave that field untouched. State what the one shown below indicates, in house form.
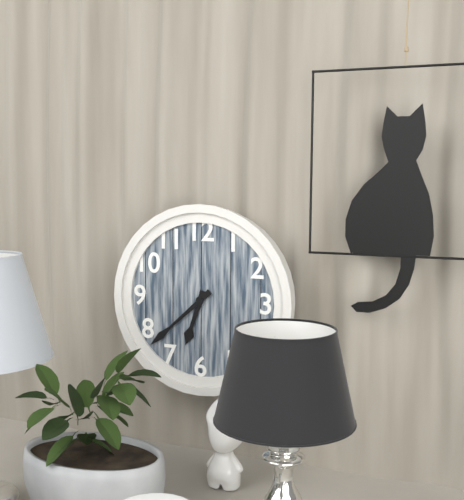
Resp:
h=6 m=38
